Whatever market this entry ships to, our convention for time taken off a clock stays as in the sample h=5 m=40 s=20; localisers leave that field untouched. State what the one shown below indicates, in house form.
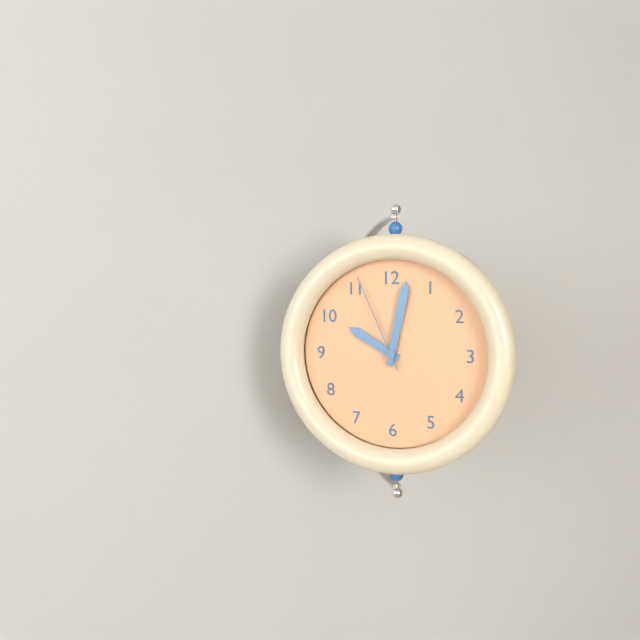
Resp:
h=10 m=2 s=56
